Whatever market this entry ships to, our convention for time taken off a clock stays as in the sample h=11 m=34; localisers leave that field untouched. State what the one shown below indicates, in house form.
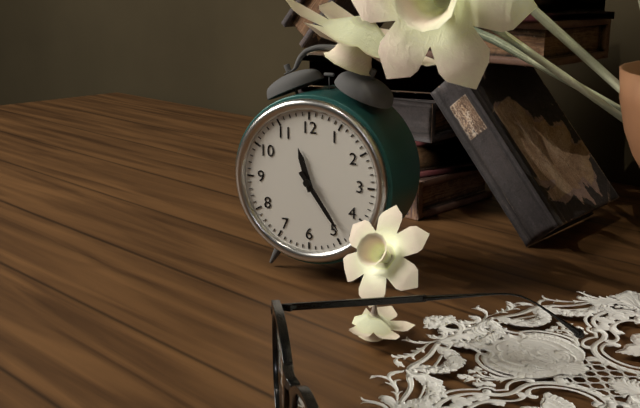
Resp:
h=11 m=24
